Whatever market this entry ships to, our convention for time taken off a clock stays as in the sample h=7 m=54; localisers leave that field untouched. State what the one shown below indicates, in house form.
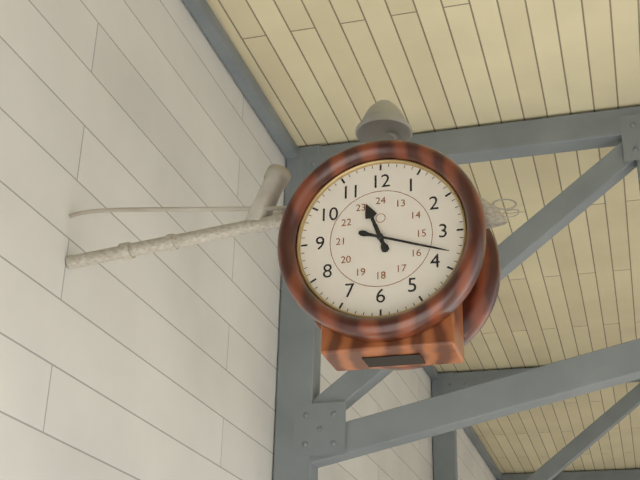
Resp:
h=11 m=18
